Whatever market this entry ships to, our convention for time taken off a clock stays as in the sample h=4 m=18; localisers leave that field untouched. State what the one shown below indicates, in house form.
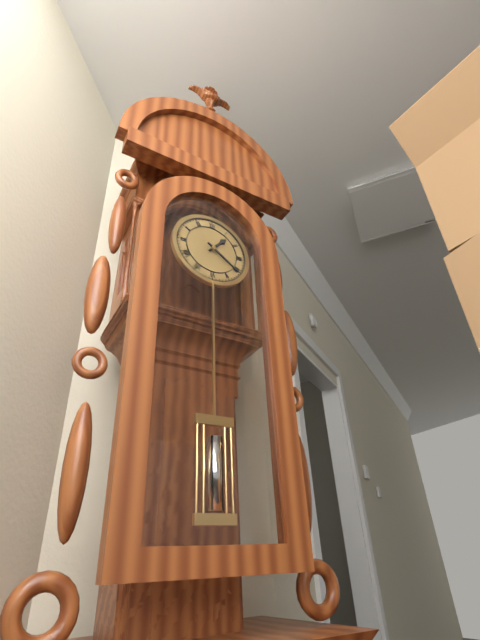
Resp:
h=1 m=21
